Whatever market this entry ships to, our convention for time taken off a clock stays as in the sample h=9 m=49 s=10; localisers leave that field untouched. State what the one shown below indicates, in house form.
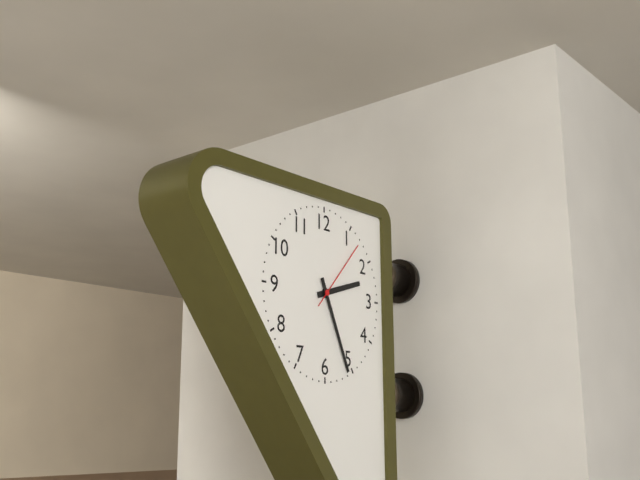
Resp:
h=2 m=26 s=7
